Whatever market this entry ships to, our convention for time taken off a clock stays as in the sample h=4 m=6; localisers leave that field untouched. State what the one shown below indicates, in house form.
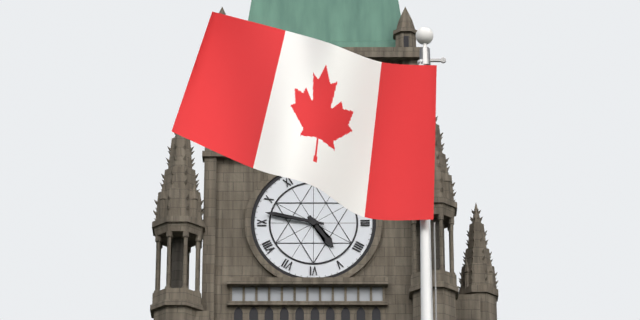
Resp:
h=4 m=47
